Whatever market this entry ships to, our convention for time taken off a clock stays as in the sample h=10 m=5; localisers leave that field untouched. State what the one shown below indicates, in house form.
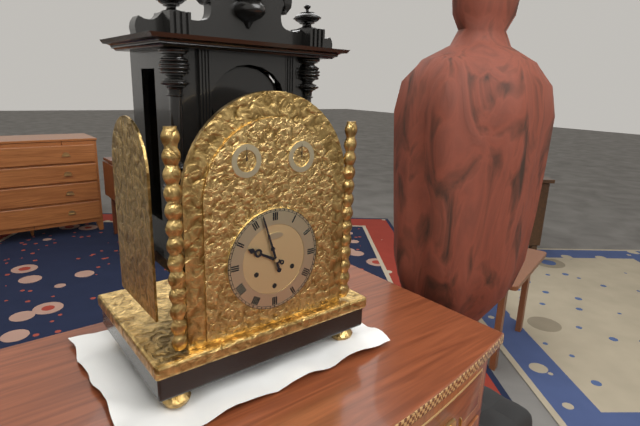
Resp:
h=9 m=57
